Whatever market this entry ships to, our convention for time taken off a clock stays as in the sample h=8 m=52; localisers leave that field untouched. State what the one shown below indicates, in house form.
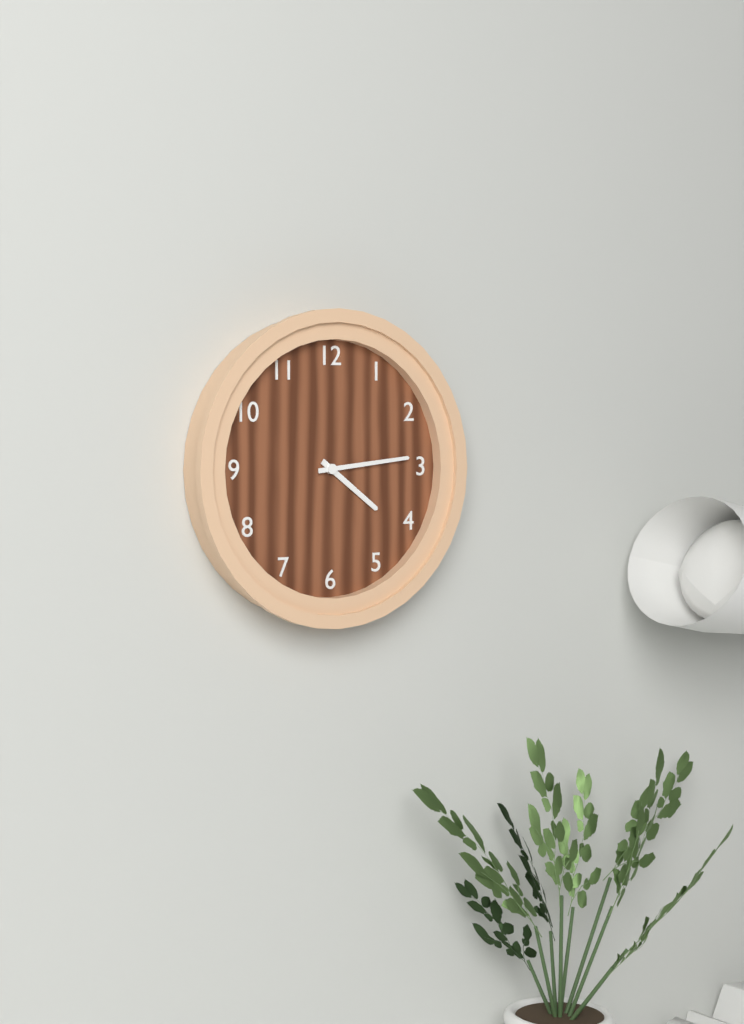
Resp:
h=4 m=14
